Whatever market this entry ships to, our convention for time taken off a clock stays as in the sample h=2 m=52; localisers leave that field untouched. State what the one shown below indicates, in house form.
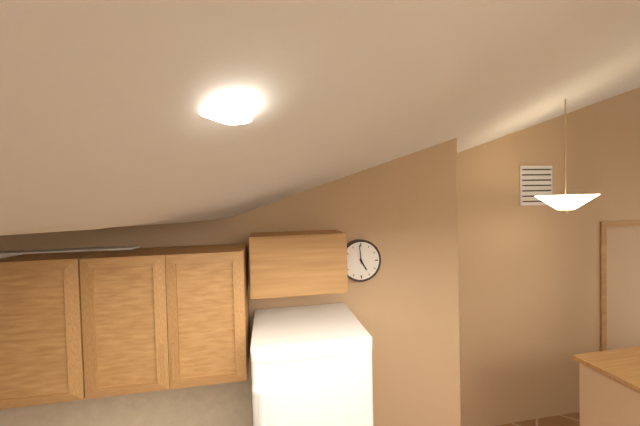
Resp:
h=4 m=59
